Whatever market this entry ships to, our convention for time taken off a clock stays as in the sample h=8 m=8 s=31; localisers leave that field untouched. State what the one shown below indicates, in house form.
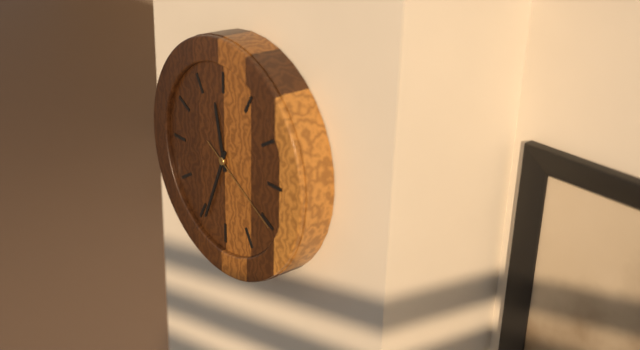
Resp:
h=11 m=34 s=20
